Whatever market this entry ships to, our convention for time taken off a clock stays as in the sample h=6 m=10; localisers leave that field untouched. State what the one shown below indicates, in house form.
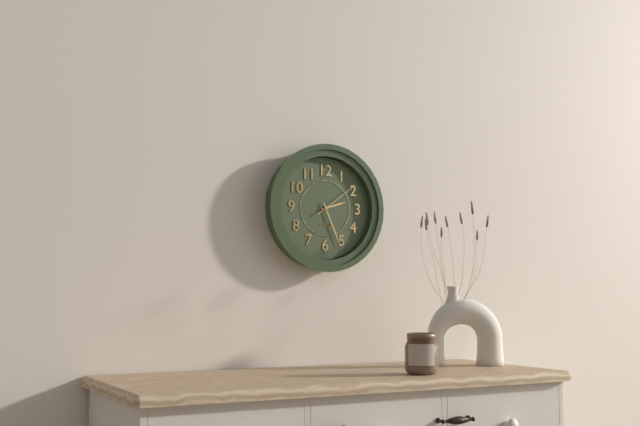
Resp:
h=2 m=26
